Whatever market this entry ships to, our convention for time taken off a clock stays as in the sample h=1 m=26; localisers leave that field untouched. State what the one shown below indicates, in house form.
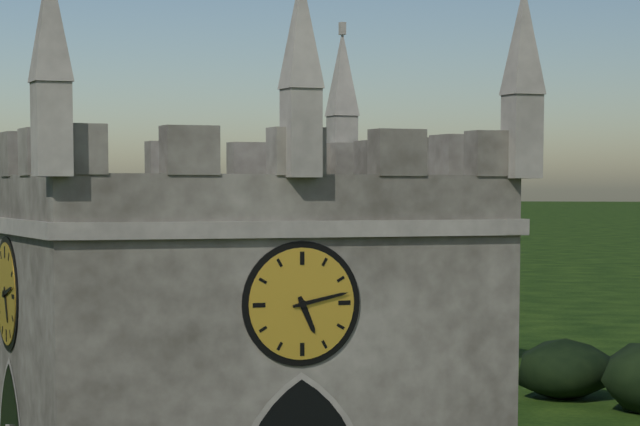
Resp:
h=5 m=13
